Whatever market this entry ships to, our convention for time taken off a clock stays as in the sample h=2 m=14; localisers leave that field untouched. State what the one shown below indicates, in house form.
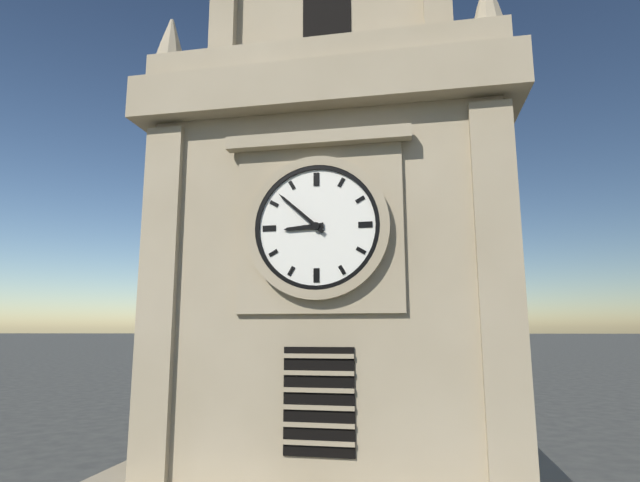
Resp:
h=8 m=52
